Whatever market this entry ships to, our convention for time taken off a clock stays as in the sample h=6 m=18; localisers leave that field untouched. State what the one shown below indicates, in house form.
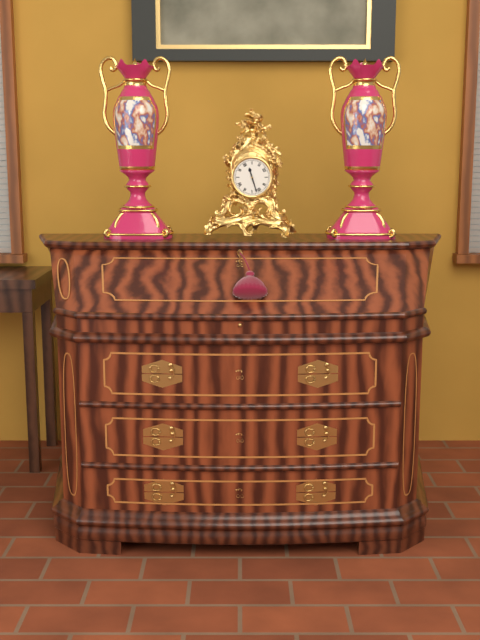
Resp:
h=11 m=27
